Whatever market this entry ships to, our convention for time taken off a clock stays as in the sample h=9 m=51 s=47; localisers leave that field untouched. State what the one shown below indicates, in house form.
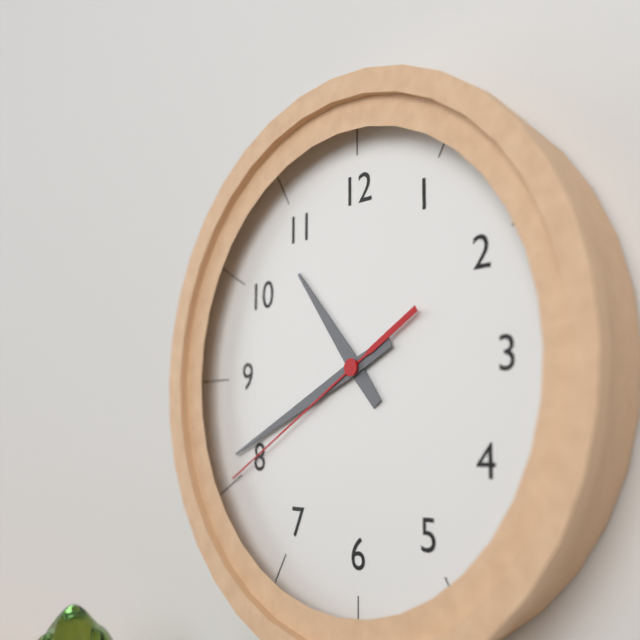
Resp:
h=10 m=41 s=40
